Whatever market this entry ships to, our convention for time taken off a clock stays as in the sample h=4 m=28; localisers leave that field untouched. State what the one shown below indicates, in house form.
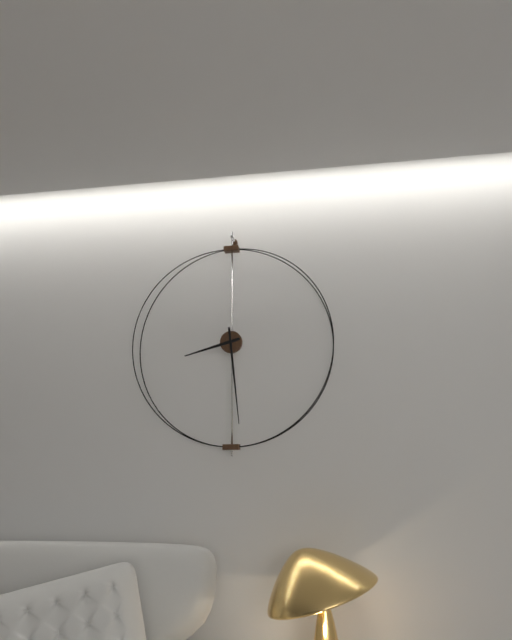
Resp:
h=8 m=29
